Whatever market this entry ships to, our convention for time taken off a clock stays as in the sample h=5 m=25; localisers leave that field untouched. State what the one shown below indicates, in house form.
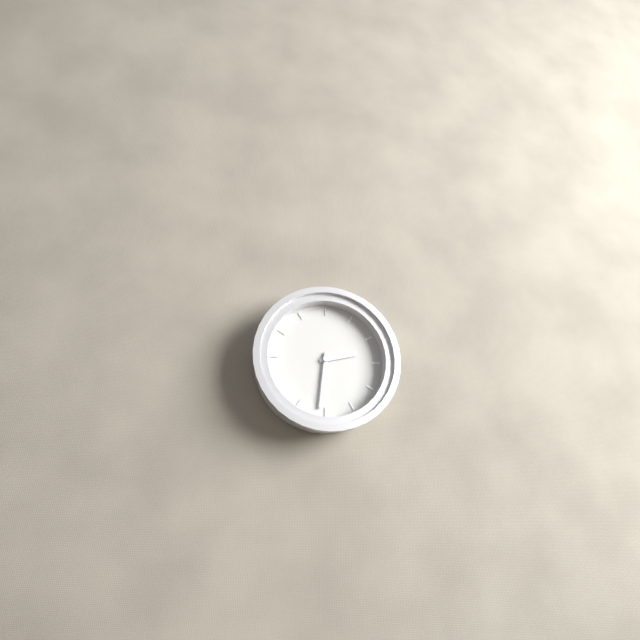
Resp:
h=2 m=31
